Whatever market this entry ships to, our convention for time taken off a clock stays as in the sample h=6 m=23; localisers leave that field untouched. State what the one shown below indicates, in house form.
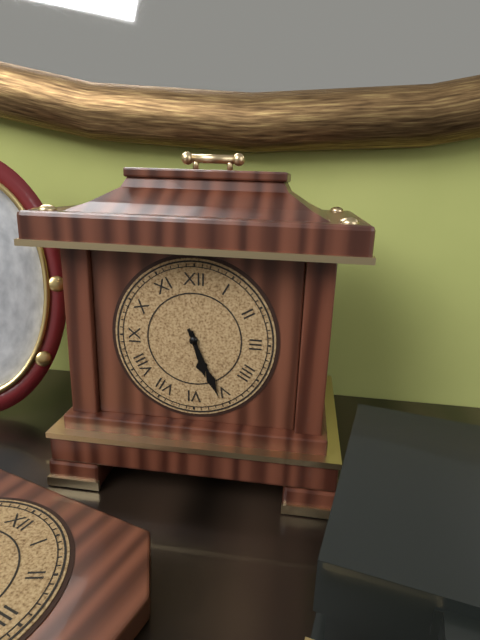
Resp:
h=5 m=26
